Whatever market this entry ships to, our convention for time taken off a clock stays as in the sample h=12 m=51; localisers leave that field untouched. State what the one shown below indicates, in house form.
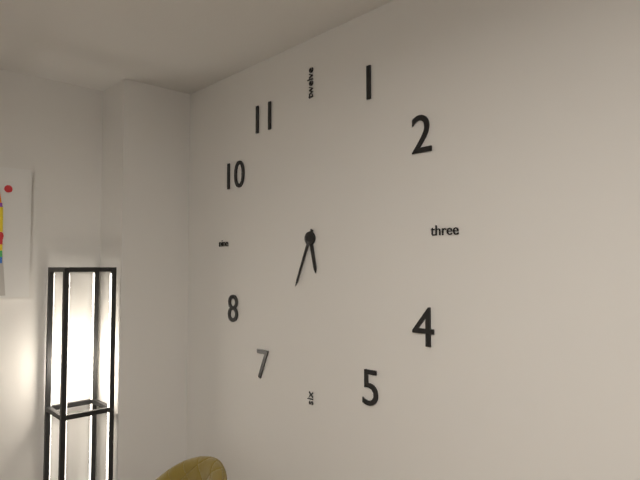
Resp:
h=5 m=34
